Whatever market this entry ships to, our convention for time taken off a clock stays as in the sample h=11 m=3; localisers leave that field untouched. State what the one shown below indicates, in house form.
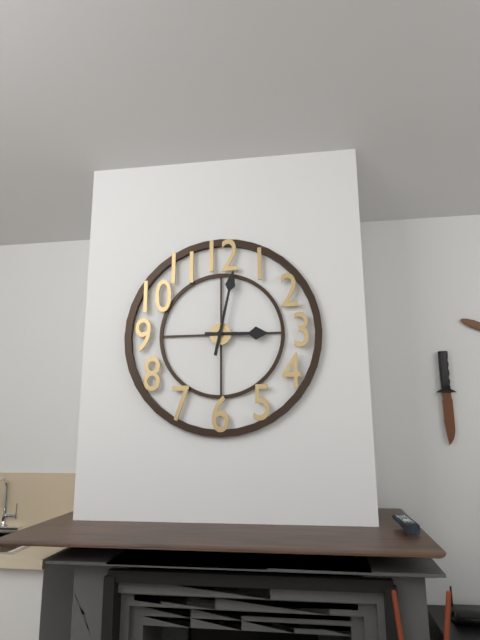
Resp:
h=3 m=2
